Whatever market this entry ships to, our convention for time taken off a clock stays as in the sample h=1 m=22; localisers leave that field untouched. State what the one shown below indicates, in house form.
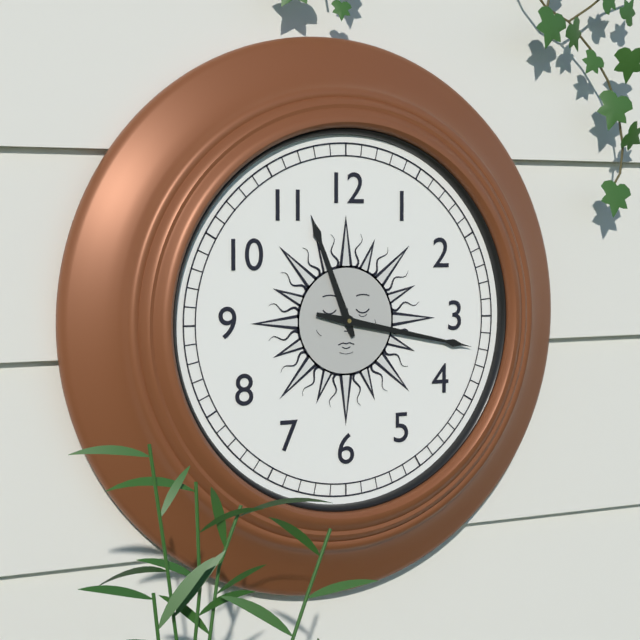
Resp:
h=11 m=17
